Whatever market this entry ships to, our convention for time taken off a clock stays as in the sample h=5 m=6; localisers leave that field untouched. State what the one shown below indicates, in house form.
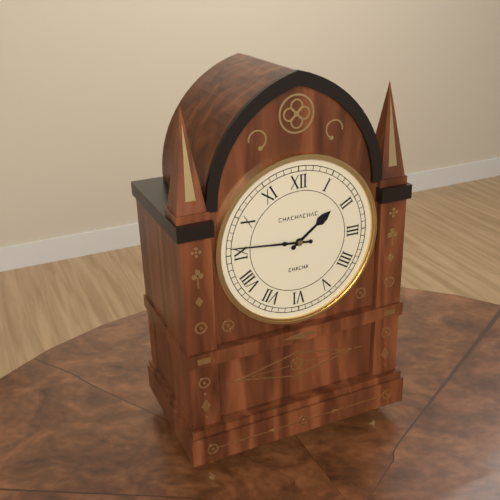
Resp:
h=1 m=46
